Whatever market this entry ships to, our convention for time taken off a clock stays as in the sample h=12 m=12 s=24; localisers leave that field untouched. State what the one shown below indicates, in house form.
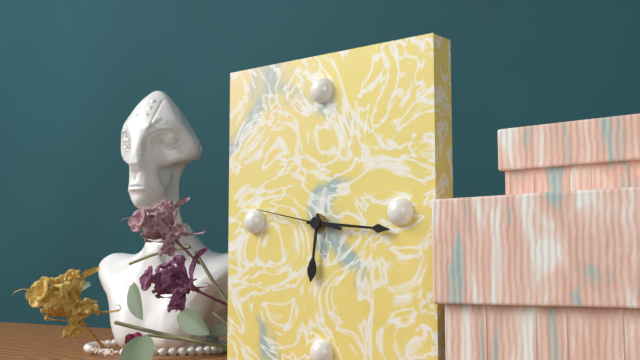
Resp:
h=6 m=16 s=47
